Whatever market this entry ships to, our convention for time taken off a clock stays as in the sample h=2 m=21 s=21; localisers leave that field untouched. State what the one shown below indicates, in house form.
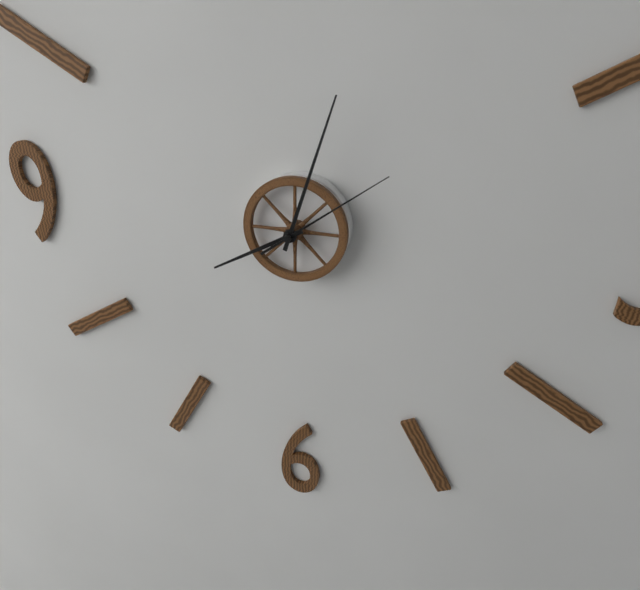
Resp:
h=8 m=3 s=9
